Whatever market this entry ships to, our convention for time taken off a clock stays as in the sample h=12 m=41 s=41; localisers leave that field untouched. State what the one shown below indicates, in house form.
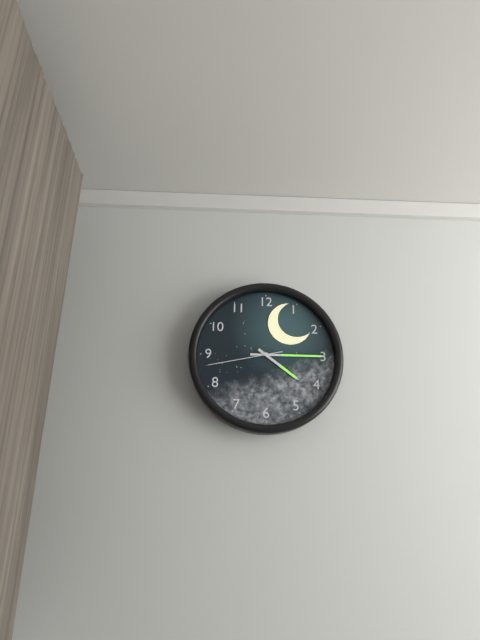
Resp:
h=4 m=15 s=43
